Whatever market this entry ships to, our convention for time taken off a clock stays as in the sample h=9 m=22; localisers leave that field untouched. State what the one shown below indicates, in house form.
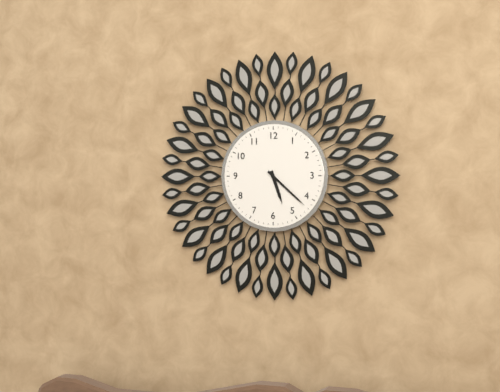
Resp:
h=5 m=22
